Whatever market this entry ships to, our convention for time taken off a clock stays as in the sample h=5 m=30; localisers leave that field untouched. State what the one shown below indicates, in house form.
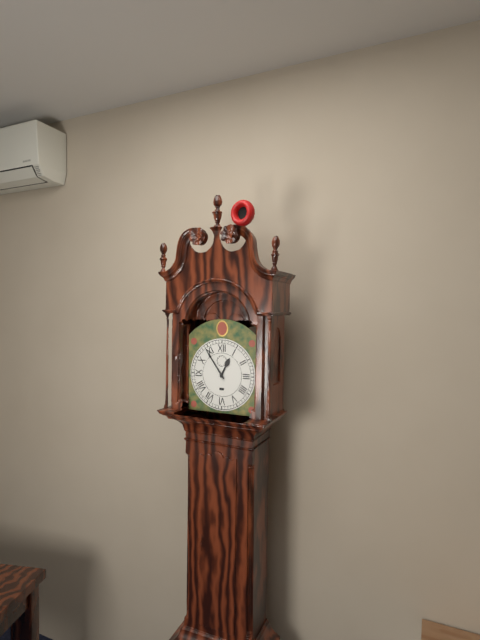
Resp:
h=12 m=54
